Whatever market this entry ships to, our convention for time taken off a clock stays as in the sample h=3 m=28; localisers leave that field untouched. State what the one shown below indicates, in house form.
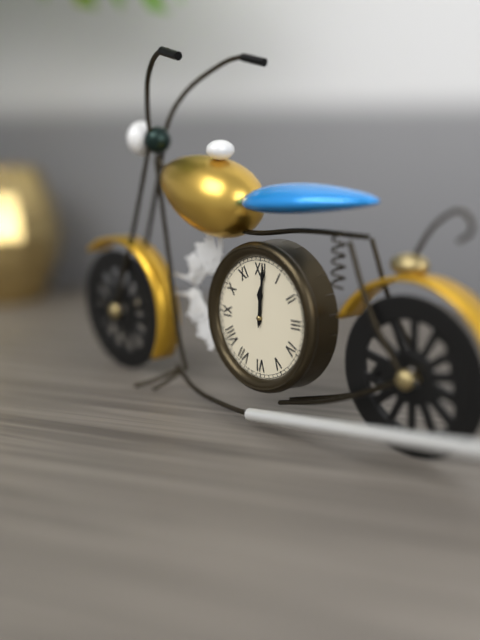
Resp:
h=12 m=1
